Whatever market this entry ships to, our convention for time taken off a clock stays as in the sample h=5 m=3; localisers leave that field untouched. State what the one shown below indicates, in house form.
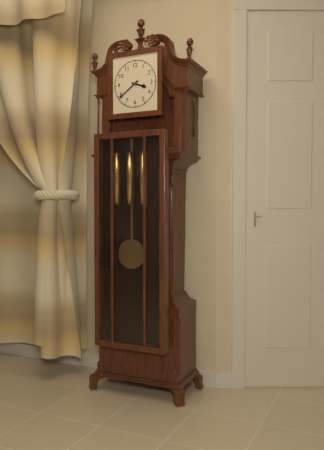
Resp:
h=3 m=39
